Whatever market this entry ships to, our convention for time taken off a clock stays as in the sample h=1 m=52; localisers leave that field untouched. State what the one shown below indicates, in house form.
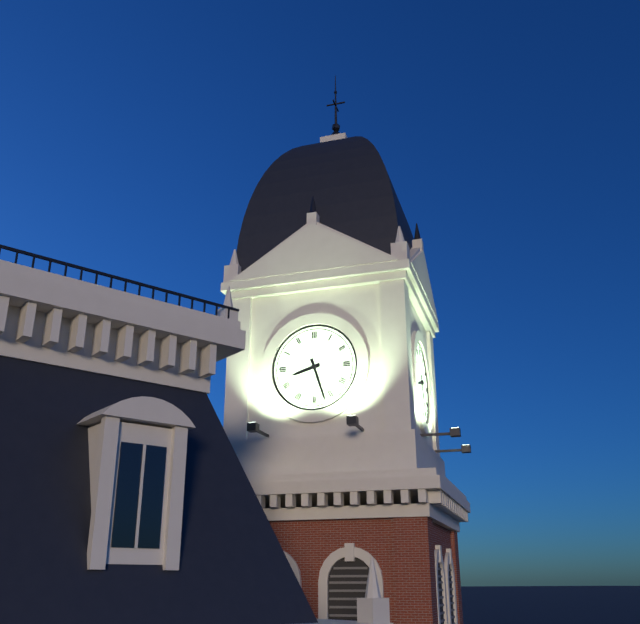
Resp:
h=8 m=27
